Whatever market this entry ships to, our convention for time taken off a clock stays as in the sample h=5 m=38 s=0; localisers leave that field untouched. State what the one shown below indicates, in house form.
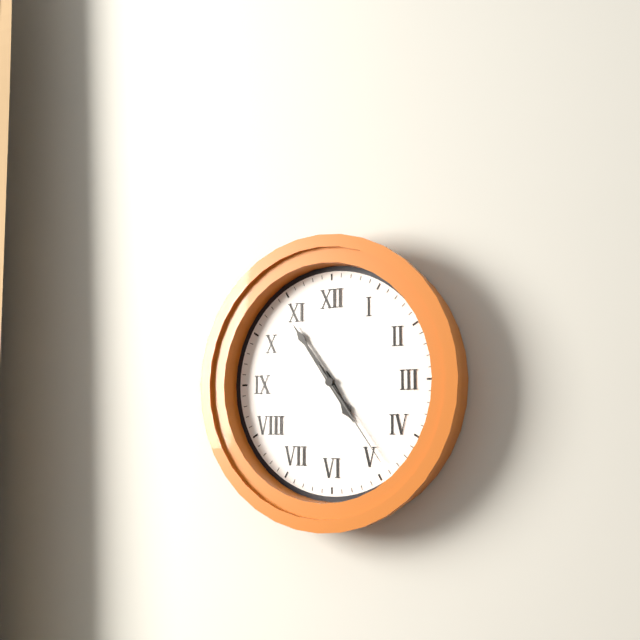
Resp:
h=4 m=54 s=24
